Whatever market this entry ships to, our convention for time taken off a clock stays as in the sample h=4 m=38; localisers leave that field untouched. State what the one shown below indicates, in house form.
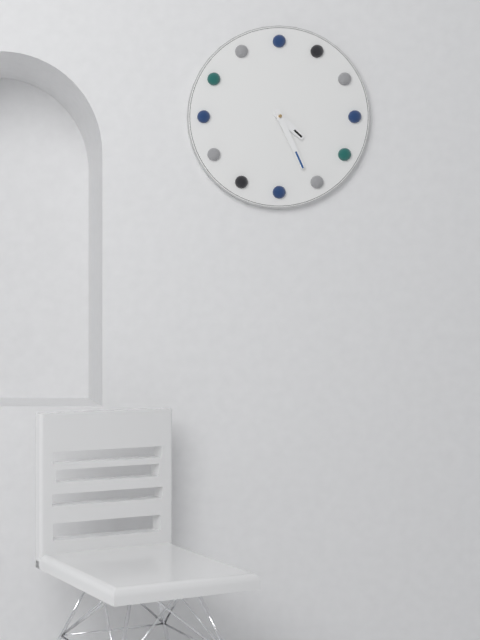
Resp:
h=4 m=26
